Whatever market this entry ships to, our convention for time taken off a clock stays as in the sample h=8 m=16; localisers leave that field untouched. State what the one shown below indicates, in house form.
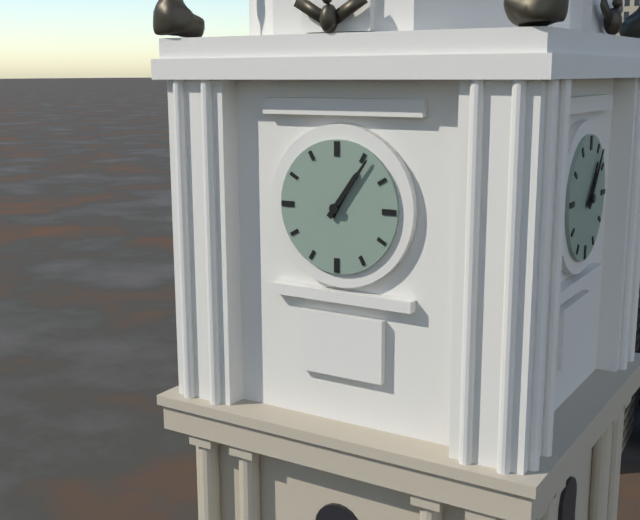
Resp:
h=1 m=6
